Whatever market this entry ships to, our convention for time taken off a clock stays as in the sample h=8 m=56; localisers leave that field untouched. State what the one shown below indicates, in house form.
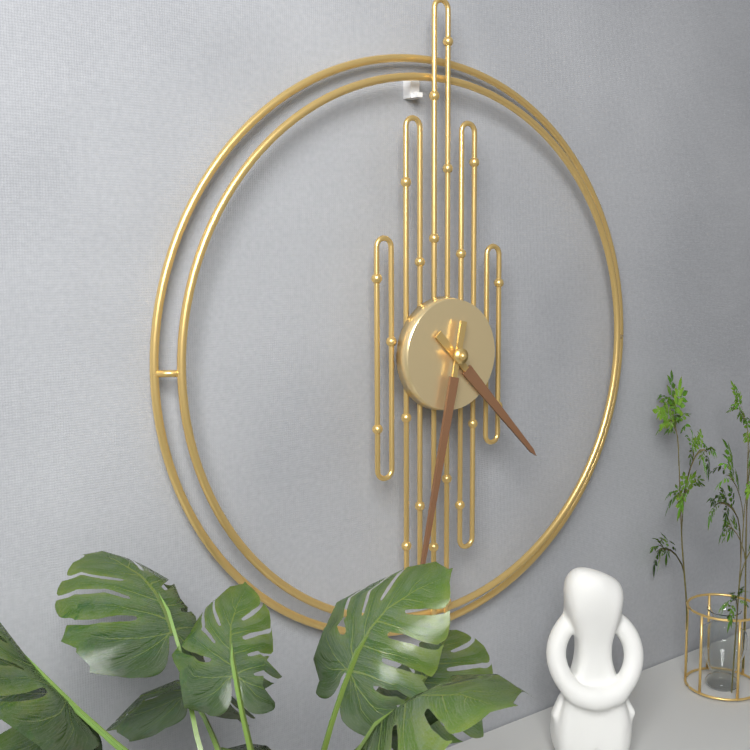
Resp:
h=4 m=32
